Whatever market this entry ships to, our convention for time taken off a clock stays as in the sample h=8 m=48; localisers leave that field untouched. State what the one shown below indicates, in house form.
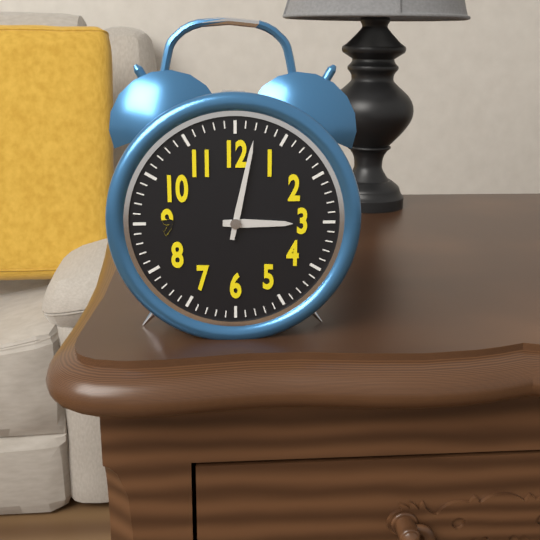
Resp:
h=3 m=2
